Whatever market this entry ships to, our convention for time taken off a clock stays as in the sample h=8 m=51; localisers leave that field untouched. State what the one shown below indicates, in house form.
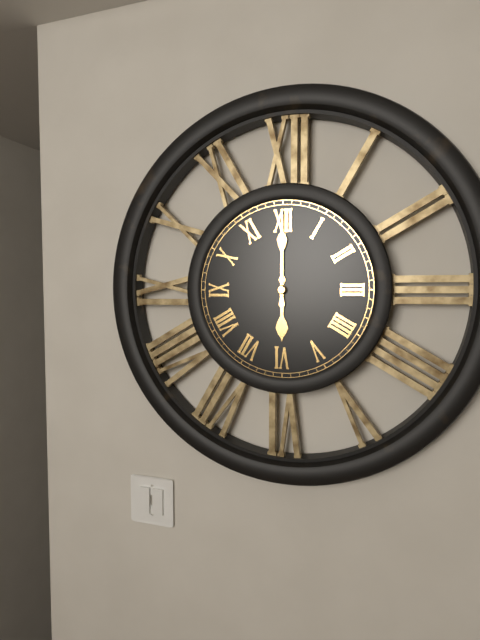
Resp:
h=6 m=0
